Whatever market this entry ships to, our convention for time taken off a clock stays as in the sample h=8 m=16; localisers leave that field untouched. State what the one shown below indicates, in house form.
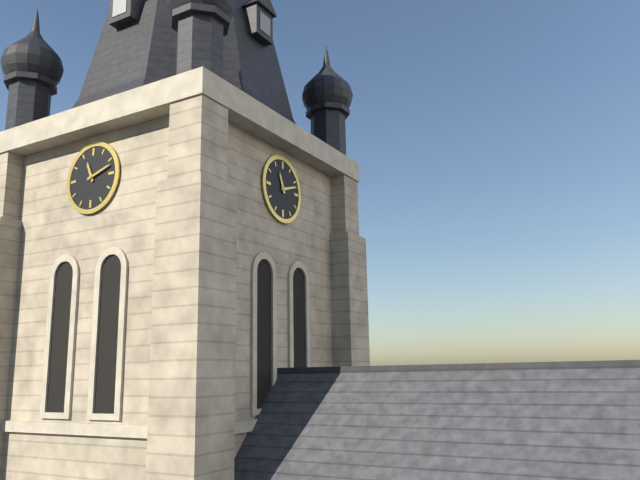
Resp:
h=11 m=12
